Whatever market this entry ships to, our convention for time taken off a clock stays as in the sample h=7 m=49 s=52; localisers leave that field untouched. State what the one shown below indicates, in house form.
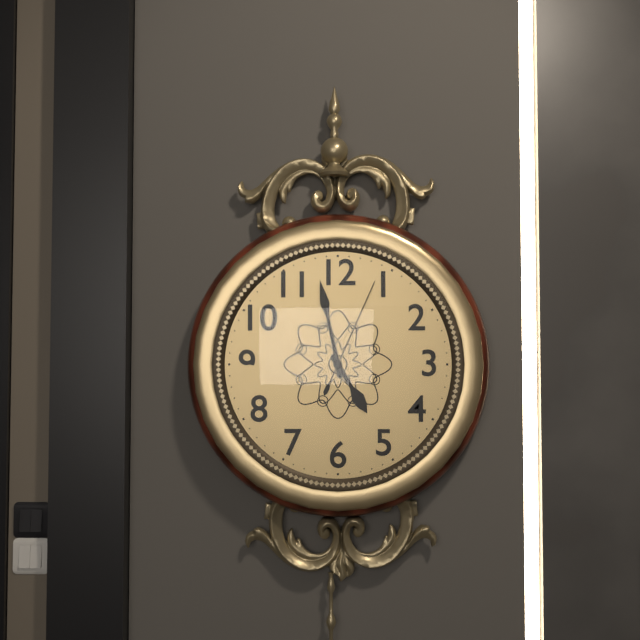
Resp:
h=4 m=58 s=4
